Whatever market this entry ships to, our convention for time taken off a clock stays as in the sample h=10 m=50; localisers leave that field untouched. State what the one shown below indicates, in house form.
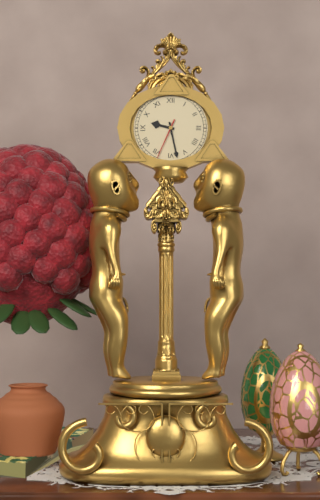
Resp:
h=9 m=28
